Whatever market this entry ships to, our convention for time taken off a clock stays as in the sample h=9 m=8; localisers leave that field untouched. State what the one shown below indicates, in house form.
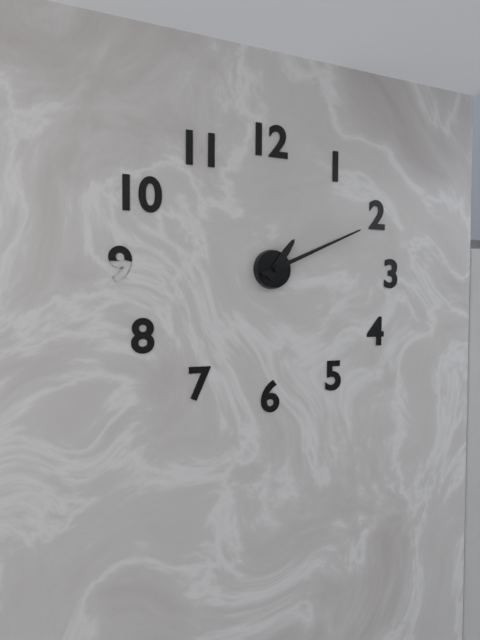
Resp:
h=1 m=11
